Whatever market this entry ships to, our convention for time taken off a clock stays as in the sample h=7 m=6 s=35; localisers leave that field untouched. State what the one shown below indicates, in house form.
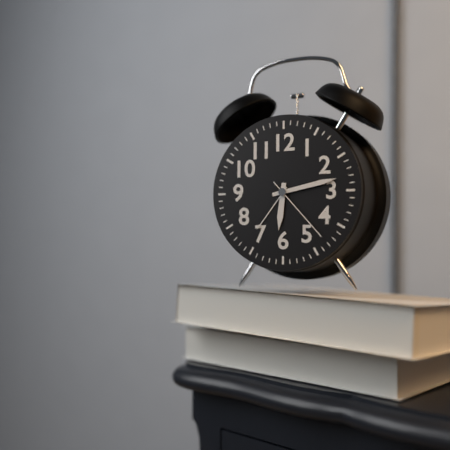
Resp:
h=6 m=13 s=23
